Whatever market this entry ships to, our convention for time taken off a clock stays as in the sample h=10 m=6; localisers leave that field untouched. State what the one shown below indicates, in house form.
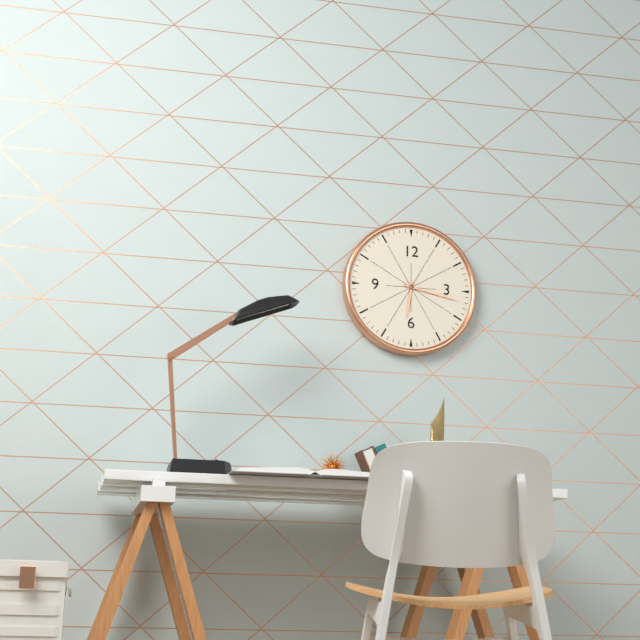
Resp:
h=6 m=17
